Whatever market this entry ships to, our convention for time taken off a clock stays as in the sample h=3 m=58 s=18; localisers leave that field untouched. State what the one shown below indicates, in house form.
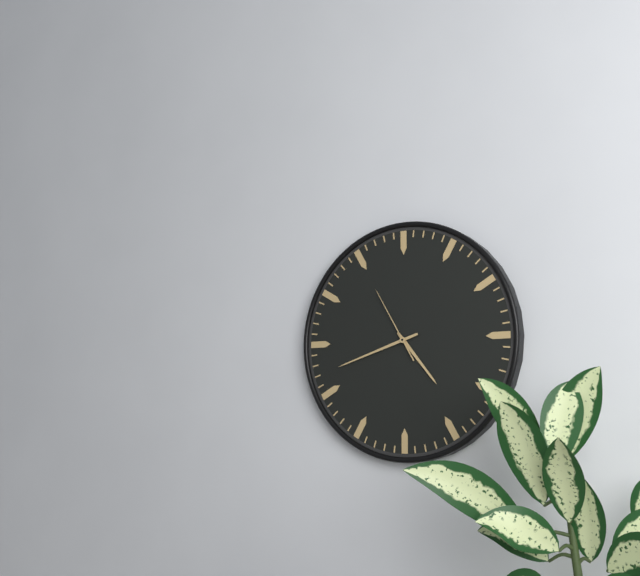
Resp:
h=4 m=42 s=55
